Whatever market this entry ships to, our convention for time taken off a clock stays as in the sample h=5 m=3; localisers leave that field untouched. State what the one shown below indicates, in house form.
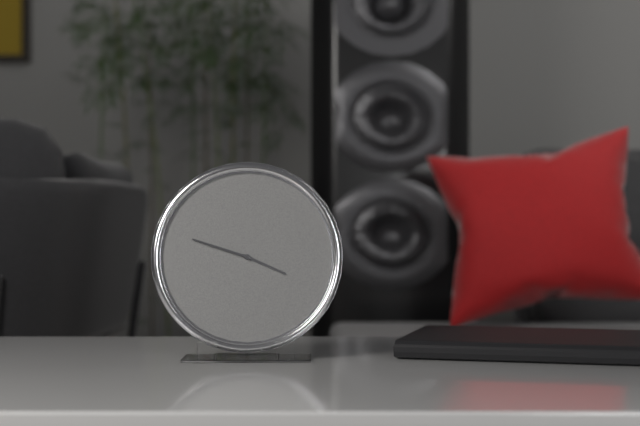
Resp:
h=3 m=48
